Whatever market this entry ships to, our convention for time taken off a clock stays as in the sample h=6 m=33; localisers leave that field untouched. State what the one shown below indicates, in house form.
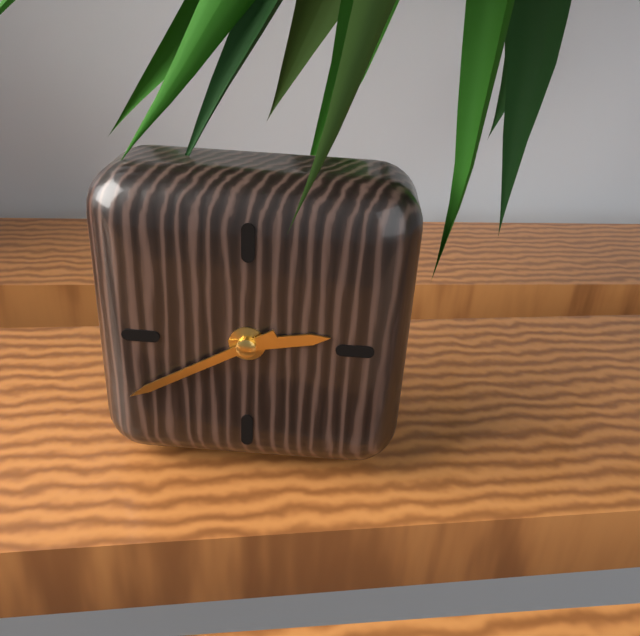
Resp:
h=2 m=40
